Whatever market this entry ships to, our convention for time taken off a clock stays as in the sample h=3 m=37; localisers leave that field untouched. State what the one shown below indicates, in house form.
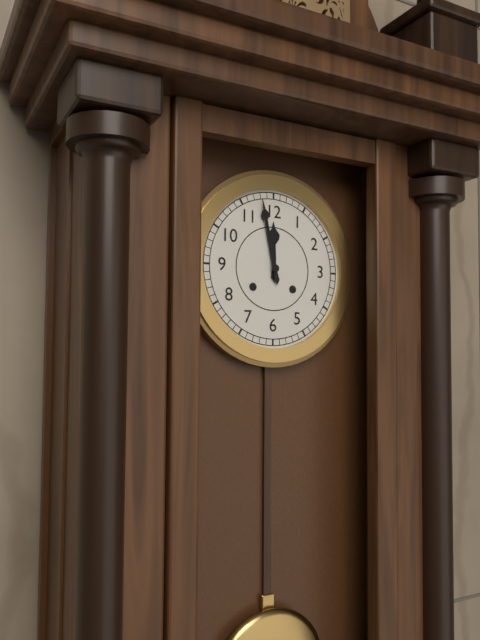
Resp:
h=11 m=58
